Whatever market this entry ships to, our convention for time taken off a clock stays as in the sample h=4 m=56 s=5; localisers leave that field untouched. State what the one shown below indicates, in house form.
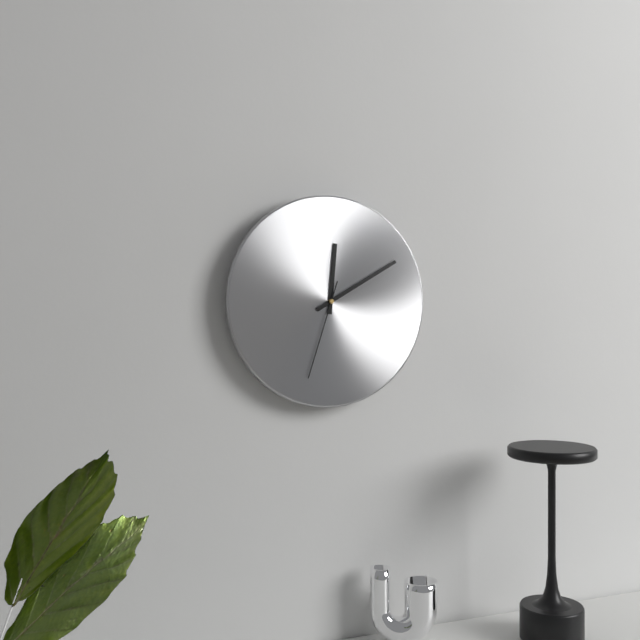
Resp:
h=12 m=10 s=33
